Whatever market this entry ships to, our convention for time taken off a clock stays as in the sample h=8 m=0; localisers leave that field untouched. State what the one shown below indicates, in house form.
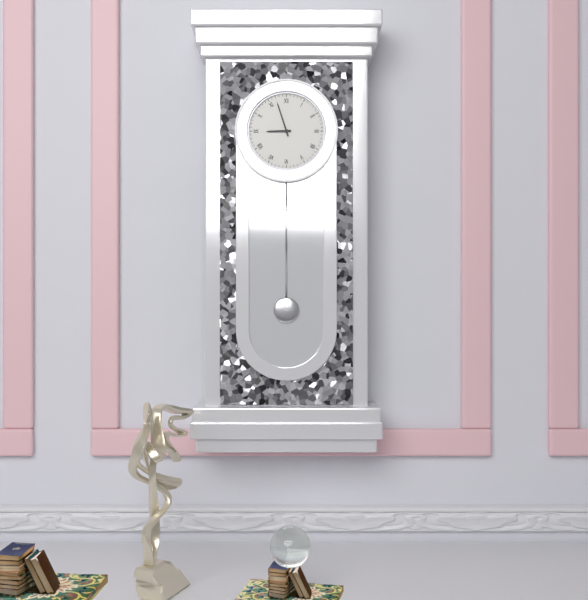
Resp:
h=8 m=57
